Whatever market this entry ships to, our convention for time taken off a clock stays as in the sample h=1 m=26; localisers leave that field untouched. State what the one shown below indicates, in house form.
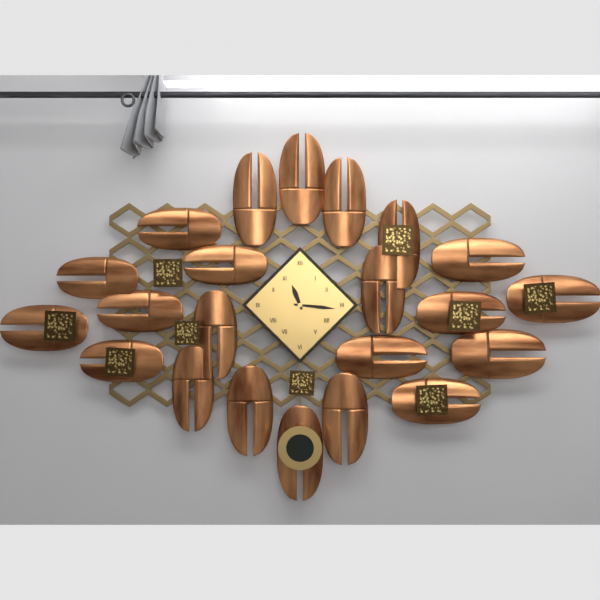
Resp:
h=11 m=16
